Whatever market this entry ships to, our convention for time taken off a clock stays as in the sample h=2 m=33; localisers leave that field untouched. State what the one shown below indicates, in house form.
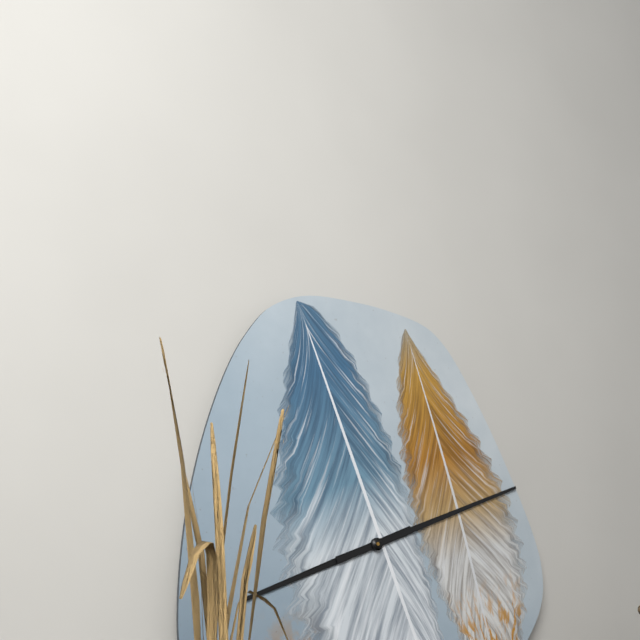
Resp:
h=8 m=11
